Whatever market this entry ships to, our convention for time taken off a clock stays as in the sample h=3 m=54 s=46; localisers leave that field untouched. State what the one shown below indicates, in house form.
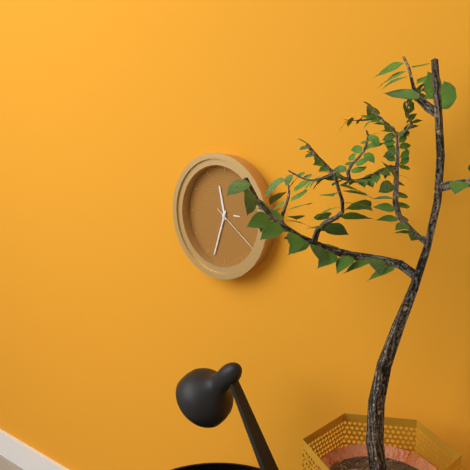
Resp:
h=11 m=33 s=21
